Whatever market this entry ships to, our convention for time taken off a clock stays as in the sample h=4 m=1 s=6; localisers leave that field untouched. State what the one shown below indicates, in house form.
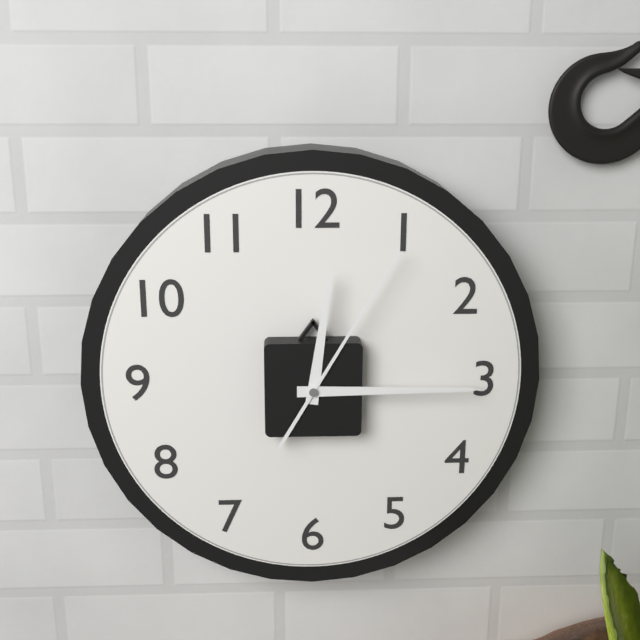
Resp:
h=12 m=15 s=5
